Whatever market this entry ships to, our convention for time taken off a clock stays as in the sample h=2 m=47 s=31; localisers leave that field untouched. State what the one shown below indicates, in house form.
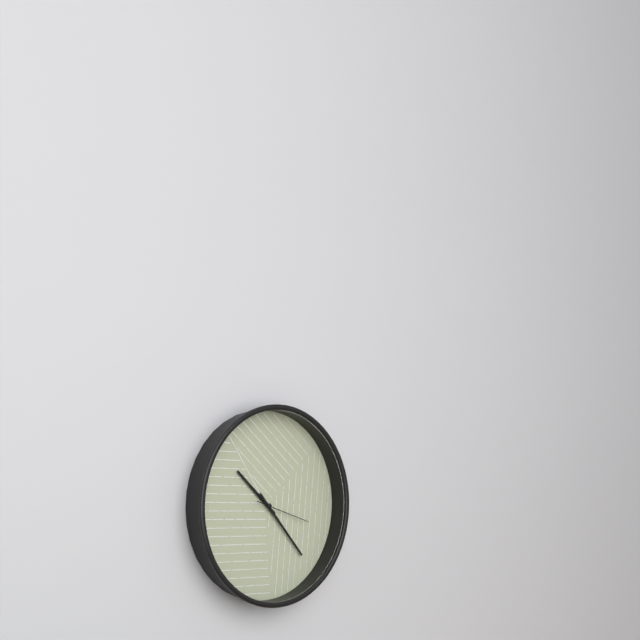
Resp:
h=10 m=23 s=18
